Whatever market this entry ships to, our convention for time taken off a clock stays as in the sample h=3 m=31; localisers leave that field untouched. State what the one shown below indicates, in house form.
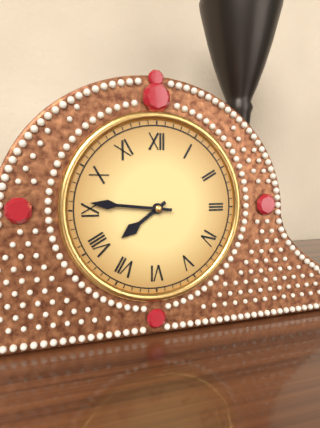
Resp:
h=7 m=46
